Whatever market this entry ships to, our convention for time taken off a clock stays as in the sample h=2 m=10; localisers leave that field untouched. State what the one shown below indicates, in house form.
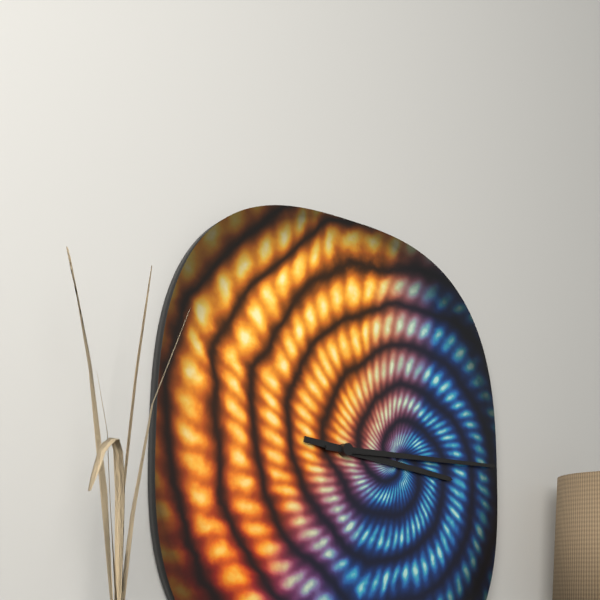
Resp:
h=3 m=15
